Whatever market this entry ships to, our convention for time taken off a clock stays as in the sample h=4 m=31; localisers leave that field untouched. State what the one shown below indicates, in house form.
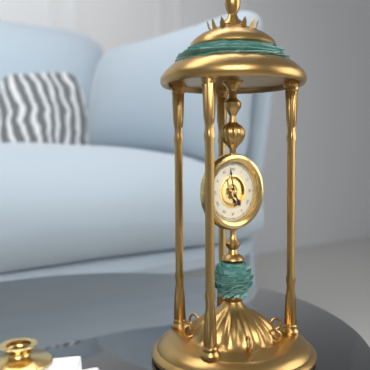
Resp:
h=4 m=58
